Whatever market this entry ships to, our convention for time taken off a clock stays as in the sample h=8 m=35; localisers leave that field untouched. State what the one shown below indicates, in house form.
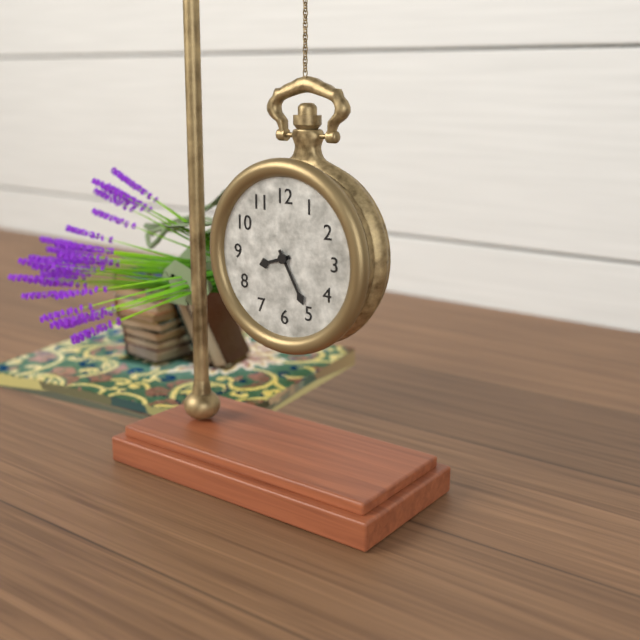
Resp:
h=8 m=25
